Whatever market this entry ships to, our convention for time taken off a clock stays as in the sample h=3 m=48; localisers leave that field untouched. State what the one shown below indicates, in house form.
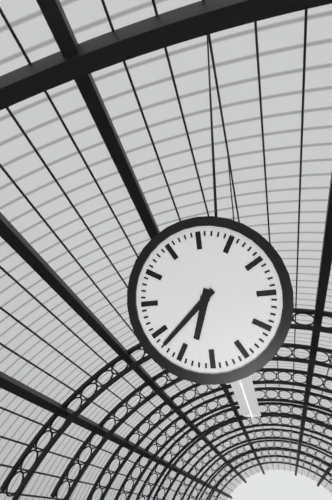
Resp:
h=6 m=38
